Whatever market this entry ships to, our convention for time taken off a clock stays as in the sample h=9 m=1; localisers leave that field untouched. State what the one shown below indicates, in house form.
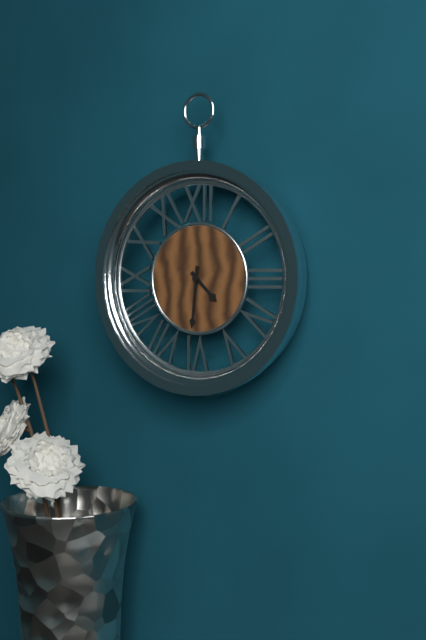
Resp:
h=4 m=31
